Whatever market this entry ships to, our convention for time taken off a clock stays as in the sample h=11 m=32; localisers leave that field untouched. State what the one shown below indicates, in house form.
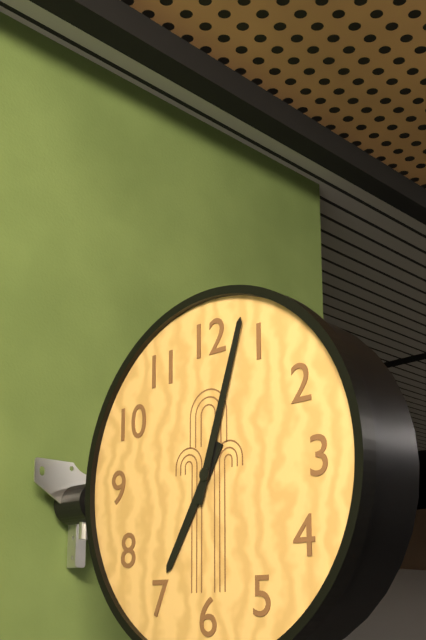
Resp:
h=7 m=3
